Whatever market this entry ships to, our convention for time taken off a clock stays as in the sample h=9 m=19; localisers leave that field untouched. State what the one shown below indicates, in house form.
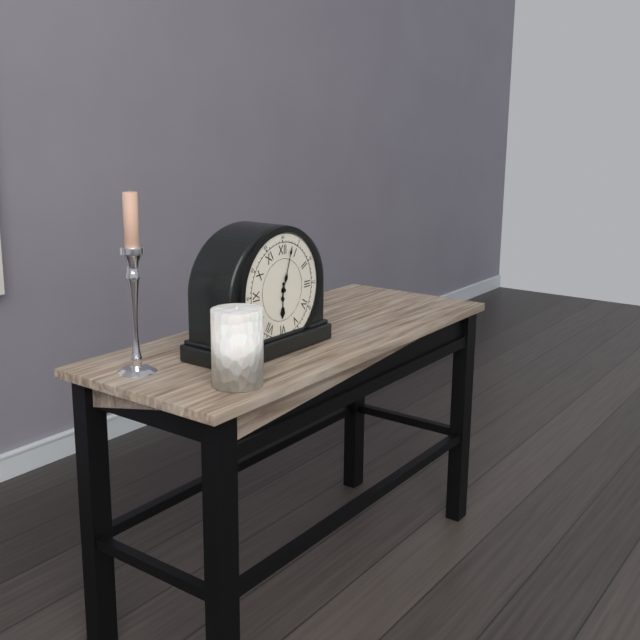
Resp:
h=6 m=3
